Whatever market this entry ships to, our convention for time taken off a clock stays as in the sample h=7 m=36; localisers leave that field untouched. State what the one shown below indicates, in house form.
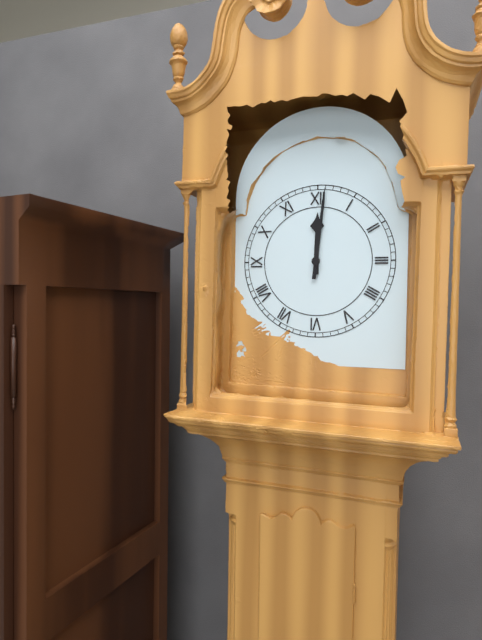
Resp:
h=12 m=1
